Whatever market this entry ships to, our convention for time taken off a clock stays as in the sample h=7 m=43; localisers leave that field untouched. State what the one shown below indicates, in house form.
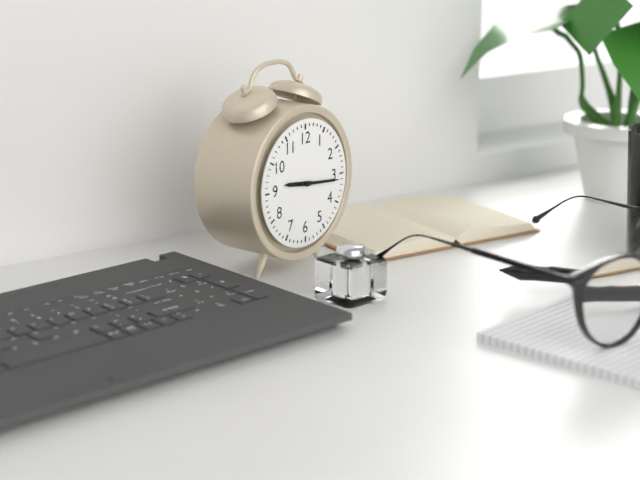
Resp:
h=9 m=16
